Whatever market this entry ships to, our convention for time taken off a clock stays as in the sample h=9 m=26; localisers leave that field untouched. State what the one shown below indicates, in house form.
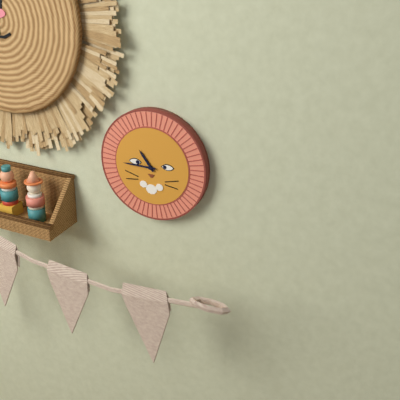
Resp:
h=10 m=45
